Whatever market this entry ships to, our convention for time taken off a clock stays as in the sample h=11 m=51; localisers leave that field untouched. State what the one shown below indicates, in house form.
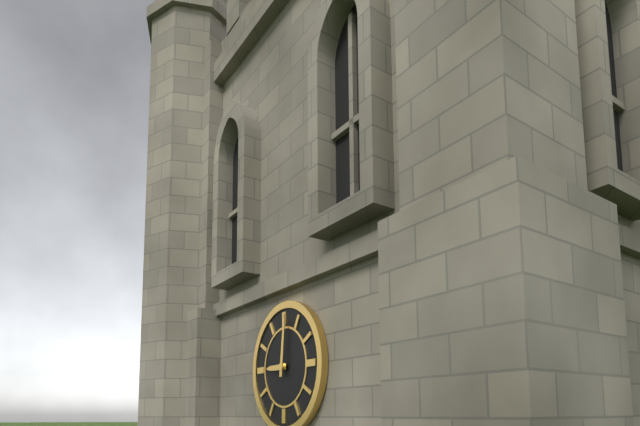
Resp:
h=9 m=1
